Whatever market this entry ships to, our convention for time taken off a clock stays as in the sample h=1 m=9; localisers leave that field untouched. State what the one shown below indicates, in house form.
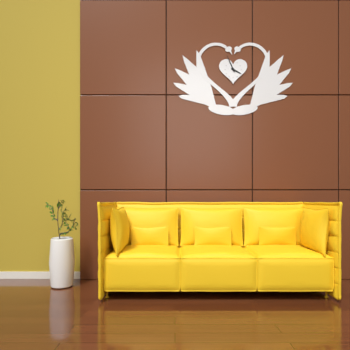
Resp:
h=3 m=56
